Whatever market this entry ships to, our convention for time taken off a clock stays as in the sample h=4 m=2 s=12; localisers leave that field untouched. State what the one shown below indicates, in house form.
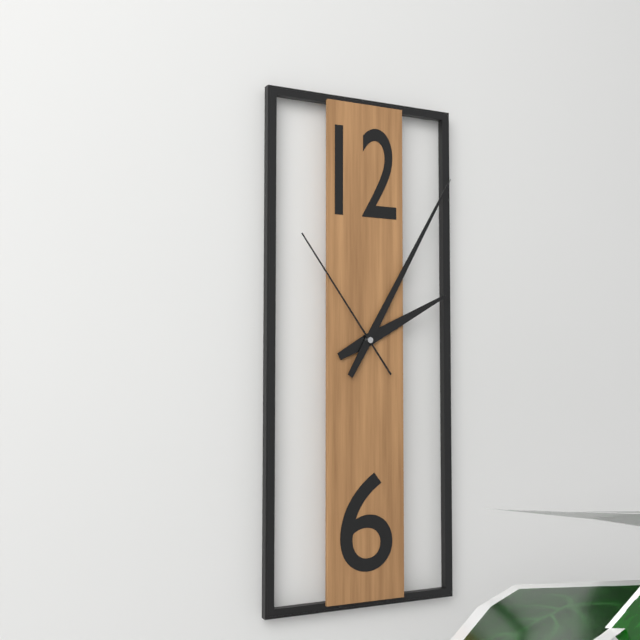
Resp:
h=2 m=5 s=54
